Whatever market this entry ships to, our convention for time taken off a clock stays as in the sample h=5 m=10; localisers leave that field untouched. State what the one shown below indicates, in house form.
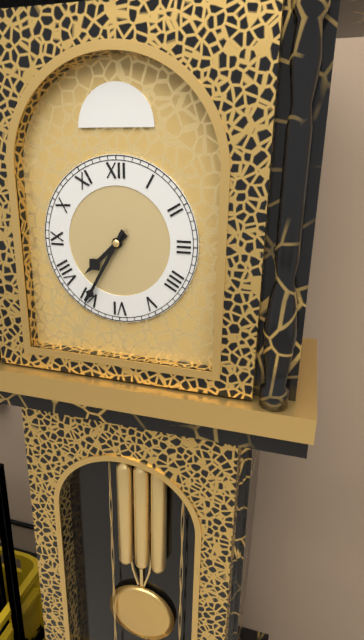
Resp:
h=7 m=35
